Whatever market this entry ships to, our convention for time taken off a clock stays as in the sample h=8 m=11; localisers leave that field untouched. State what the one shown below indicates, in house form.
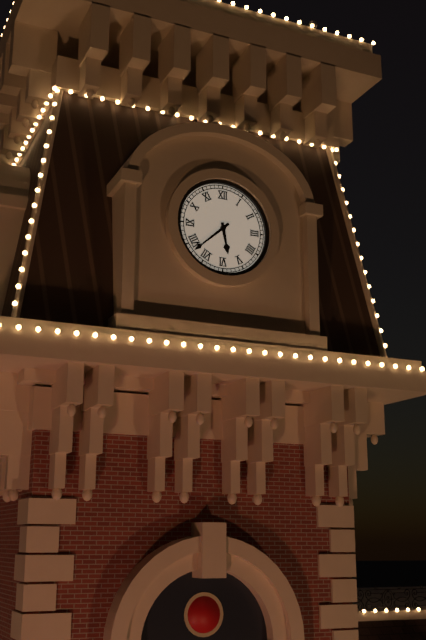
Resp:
h=5 m=38
